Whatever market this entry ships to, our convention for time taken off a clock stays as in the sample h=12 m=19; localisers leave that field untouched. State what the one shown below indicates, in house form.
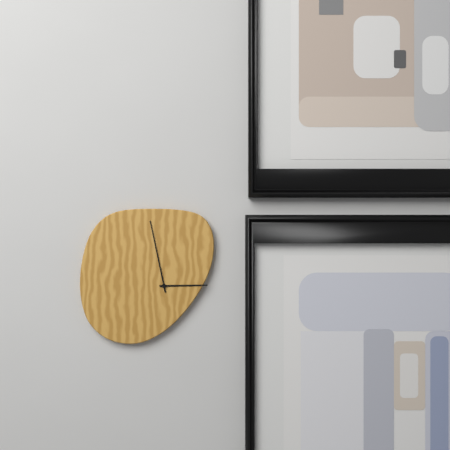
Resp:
h=2 m=58
